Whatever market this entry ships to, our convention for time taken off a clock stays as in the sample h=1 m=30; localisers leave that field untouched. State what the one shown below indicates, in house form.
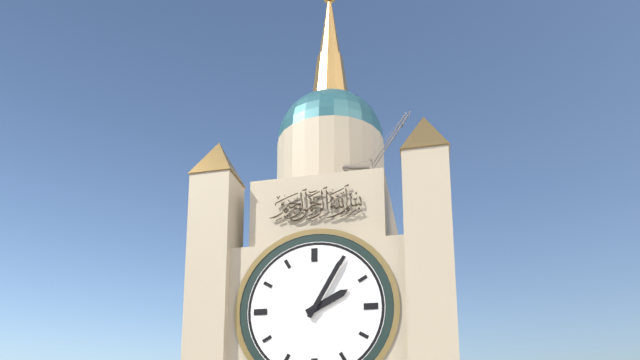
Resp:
h=2 m=5
